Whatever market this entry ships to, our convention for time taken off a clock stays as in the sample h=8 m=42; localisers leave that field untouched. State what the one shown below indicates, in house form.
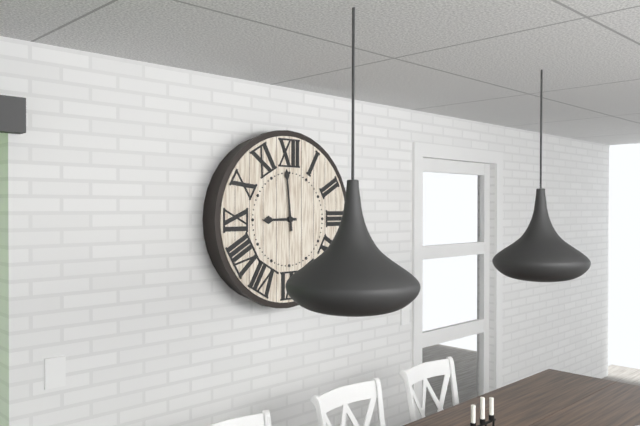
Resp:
h=8 m=59
